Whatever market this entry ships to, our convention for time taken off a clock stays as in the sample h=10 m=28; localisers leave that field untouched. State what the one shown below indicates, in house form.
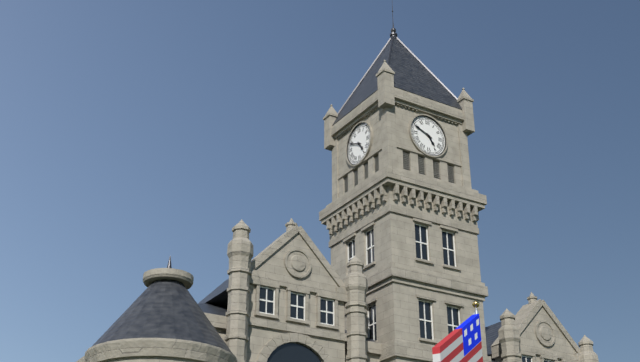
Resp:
h=4 m=49
